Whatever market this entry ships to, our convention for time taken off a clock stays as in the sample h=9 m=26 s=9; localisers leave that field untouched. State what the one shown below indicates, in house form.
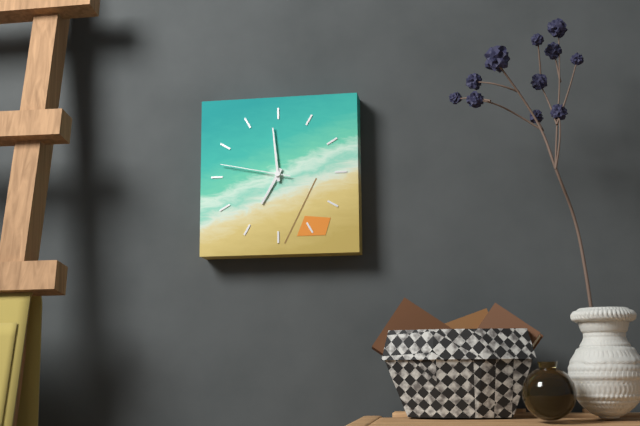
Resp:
h=6 m=59 s=47
